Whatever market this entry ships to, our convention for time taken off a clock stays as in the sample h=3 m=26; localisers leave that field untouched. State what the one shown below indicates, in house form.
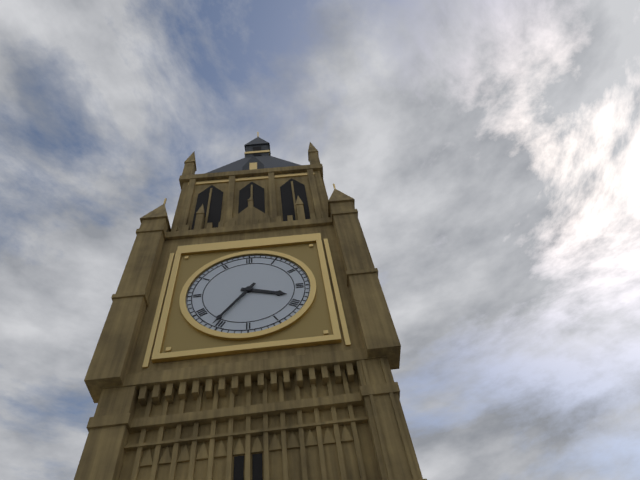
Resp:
h=3 m=36
